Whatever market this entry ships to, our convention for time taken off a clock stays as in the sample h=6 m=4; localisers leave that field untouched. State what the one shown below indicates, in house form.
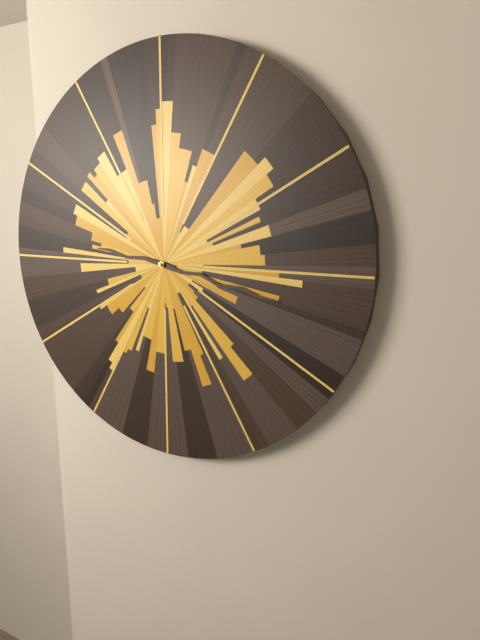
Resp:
h=9 m=17
